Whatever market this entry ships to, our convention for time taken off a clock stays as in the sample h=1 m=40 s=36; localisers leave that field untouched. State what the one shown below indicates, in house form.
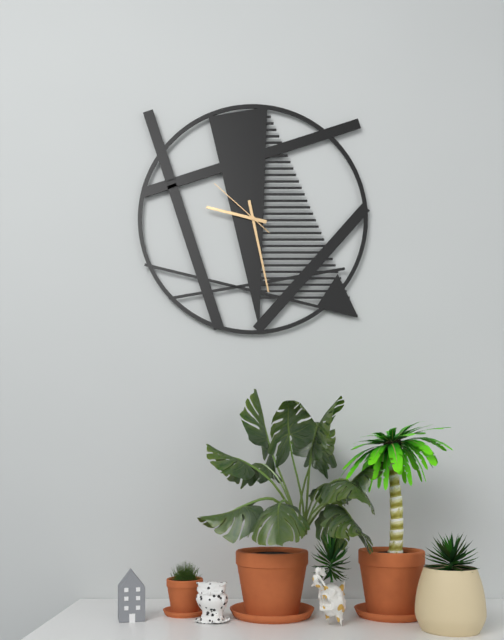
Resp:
h=9 m=28 s=52
